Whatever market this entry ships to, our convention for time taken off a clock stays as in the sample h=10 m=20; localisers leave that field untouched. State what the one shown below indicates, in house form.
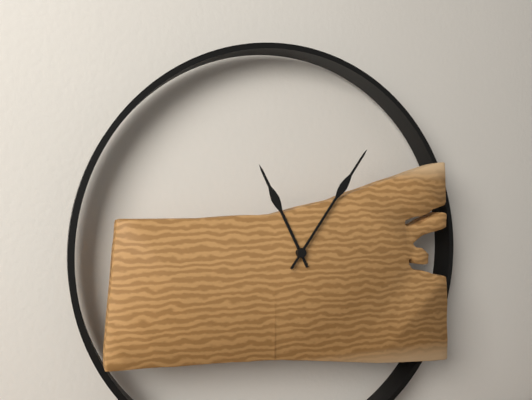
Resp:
h=11 m=6
